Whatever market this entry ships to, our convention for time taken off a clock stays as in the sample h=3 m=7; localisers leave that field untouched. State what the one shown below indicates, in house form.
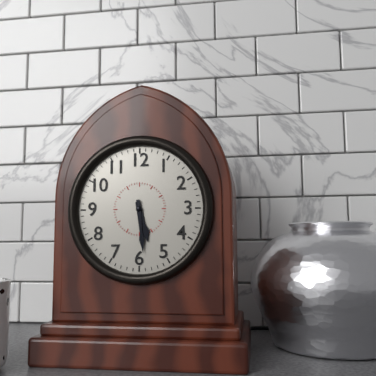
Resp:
h=5 m=29
